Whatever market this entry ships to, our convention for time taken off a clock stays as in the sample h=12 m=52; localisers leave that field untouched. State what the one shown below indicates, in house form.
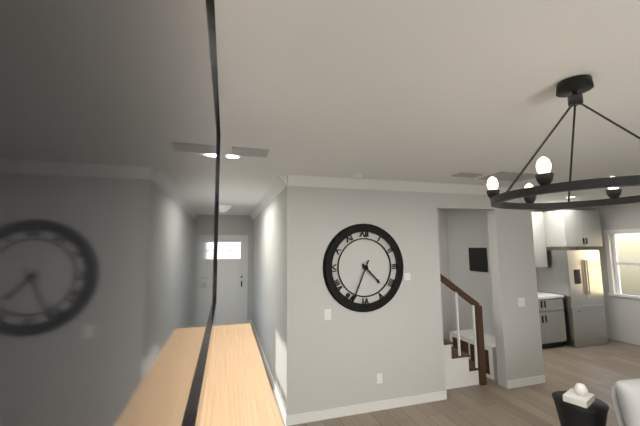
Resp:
h=4 m=34
